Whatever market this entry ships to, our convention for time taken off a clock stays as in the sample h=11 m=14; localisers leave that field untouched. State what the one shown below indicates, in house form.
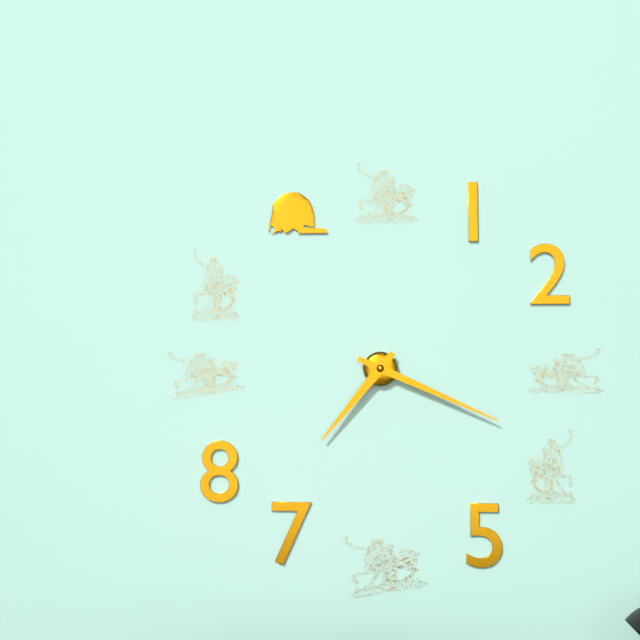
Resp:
h=7 m=19
